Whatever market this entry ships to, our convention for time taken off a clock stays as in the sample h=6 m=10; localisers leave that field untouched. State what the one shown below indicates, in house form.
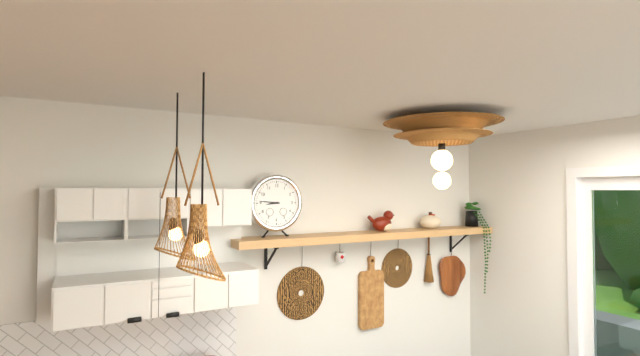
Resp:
h=8 m=46
